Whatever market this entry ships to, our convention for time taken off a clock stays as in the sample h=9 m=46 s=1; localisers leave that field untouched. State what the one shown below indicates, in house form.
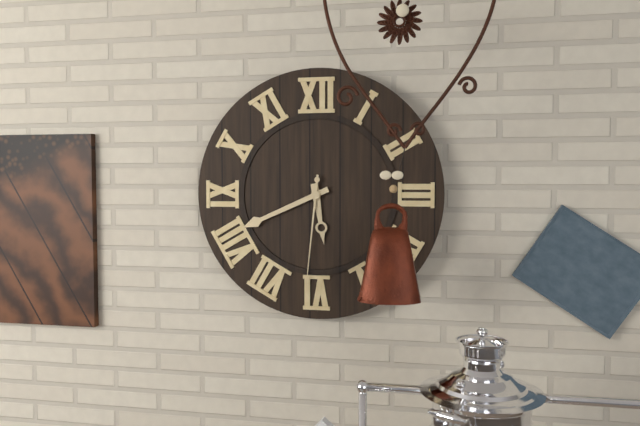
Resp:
h=5 m=41 s=31
